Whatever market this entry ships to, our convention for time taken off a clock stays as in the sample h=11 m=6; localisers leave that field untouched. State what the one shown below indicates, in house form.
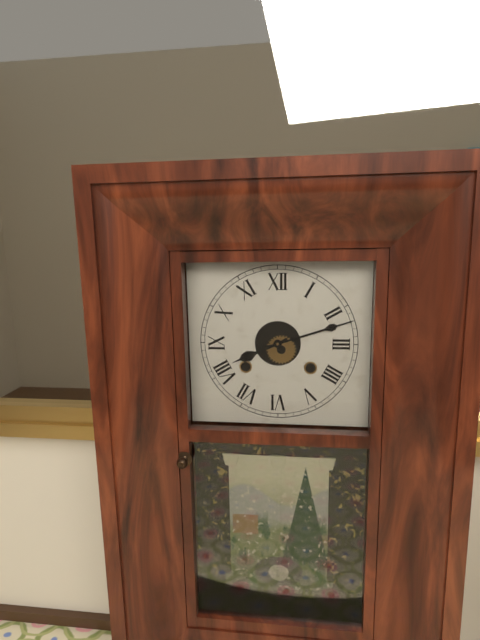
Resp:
h=8 m=12
